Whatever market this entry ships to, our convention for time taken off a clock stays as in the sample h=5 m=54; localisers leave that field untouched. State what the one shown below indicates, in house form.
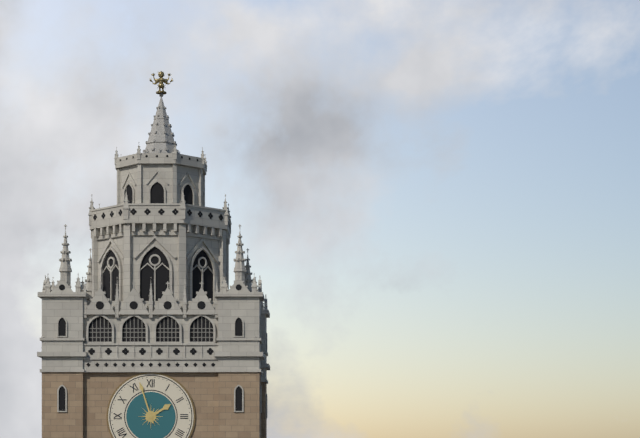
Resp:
h=1 m=57
